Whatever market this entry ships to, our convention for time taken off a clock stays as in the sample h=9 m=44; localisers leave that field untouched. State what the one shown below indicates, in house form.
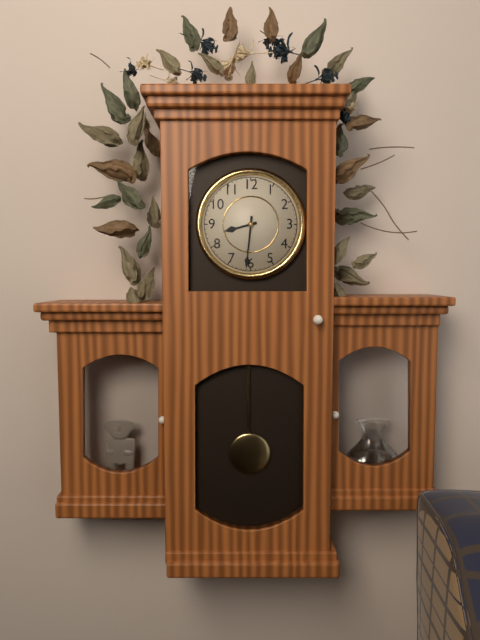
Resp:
h=8 m=31
